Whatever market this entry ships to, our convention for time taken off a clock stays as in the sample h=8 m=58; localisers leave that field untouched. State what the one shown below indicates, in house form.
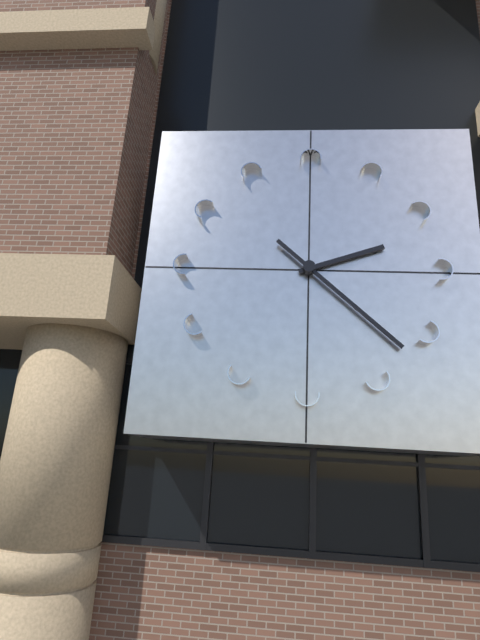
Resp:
h=2 m=22
